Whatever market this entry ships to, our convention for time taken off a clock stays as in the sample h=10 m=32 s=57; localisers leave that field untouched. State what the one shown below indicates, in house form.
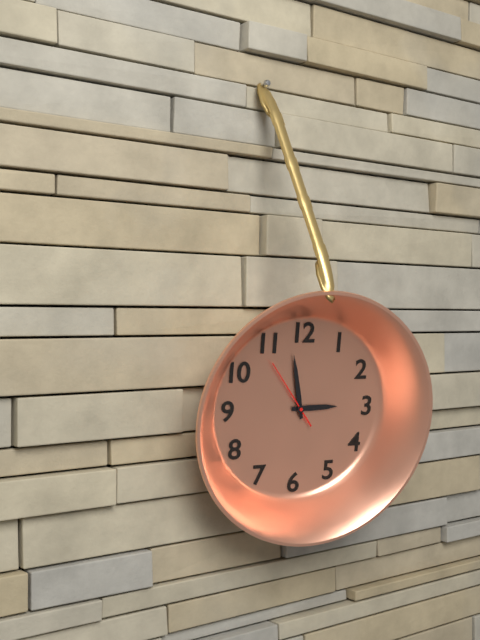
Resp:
h=2 m=58 s=54
